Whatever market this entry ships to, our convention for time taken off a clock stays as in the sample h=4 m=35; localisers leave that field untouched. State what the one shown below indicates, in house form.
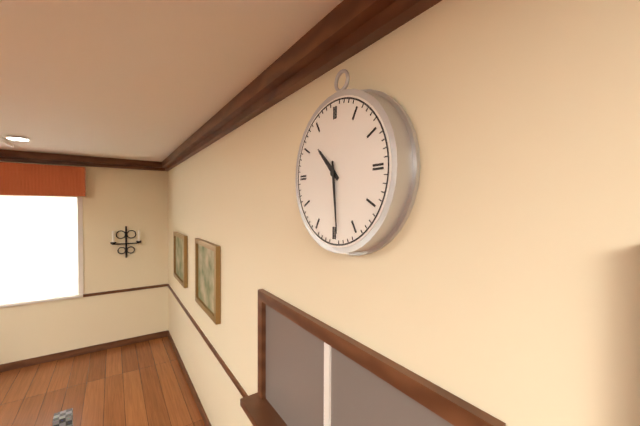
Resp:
h=10 m=29
